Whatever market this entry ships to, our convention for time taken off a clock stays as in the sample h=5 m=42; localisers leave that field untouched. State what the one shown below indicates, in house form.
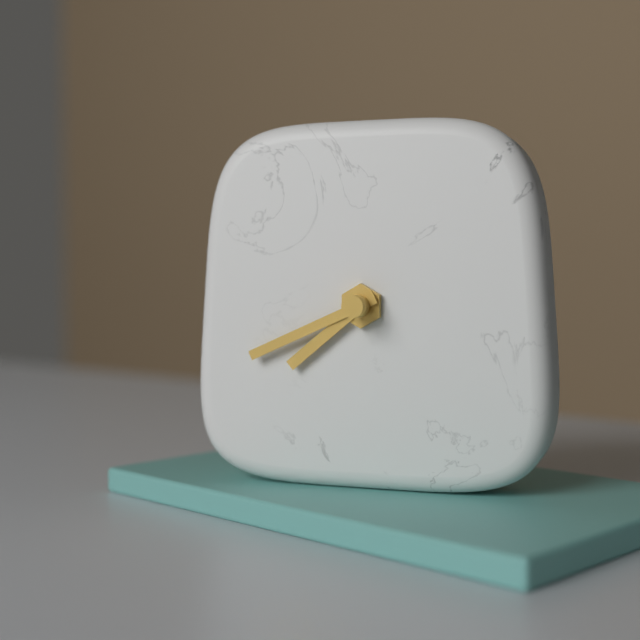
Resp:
h=7 m=41
